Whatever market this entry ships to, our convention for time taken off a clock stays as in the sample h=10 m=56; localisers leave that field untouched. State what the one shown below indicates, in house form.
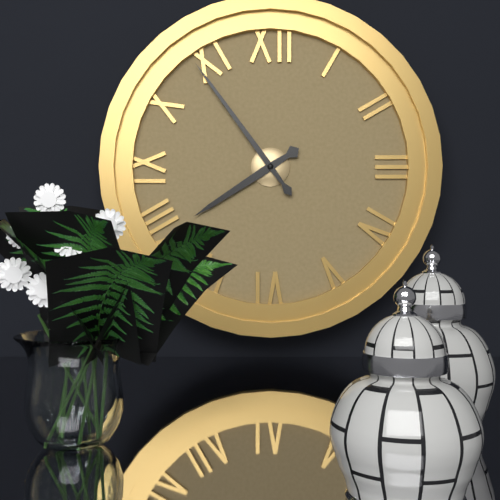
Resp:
h=7 m=54
